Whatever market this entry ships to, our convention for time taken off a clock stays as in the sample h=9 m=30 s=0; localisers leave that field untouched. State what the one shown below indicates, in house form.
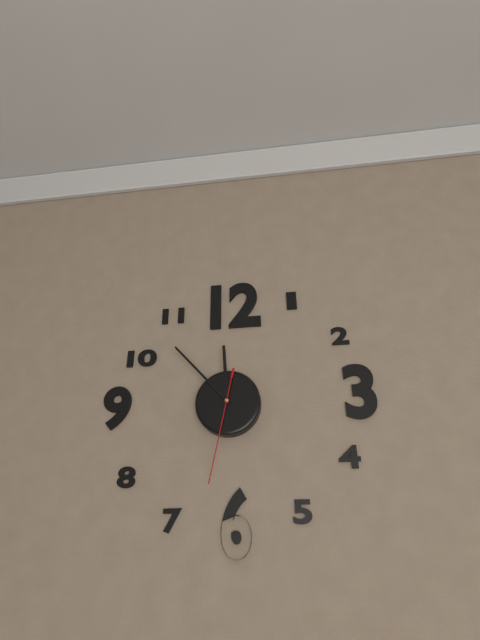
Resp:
h=11 m=53 s=32
